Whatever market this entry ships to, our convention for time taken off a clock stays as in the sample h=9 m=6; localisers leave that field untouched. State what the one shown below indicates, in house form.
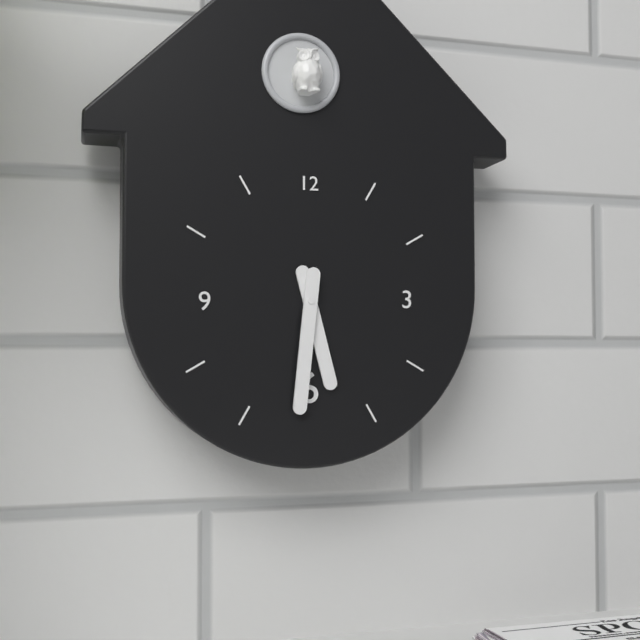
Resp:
h=5 m=31
